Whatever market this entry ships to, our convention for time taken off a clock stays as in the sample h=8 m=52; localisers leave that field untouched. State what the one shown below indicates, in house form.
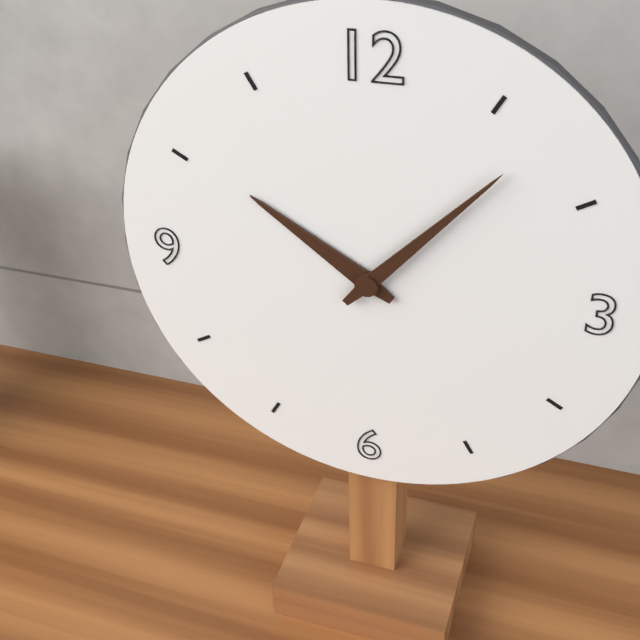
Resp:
h=10 m=7
